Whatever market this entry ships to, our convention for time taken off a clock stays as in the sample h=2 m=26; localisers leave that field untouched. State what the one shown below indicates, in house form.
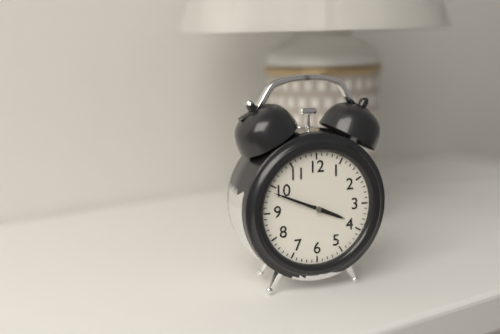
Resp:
h=3 m=49
